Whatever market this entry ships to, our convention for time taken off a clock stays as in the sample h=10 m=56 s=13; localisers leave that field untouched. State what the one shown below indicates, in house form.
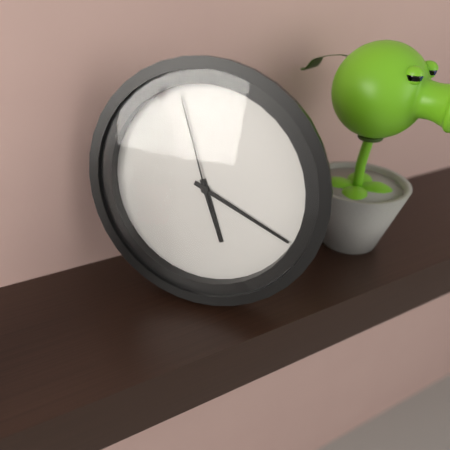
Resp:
h=5 m=19 s=57
